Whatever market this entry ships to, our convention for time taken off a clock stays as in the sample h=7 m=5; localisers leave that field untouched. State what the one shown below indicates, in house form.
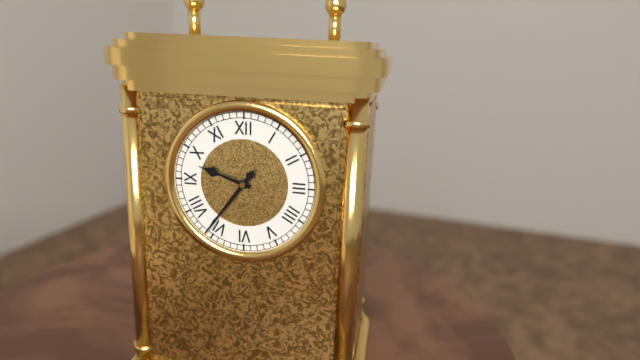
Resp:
h=9 m=36
